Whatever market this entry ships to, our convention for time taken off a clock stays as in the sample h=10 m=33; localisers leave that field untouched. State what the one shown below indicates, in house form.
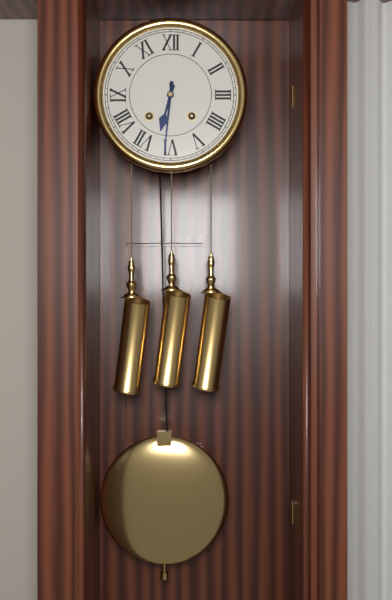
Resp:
h=6 m=31
